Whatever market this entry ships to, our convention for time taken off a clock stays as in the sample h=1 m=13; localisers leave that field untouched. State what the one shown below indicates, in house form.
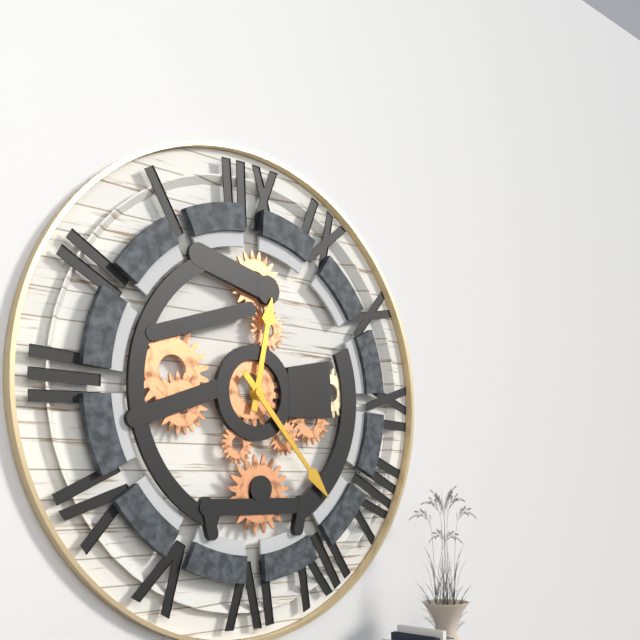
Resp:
h=12 m=23
